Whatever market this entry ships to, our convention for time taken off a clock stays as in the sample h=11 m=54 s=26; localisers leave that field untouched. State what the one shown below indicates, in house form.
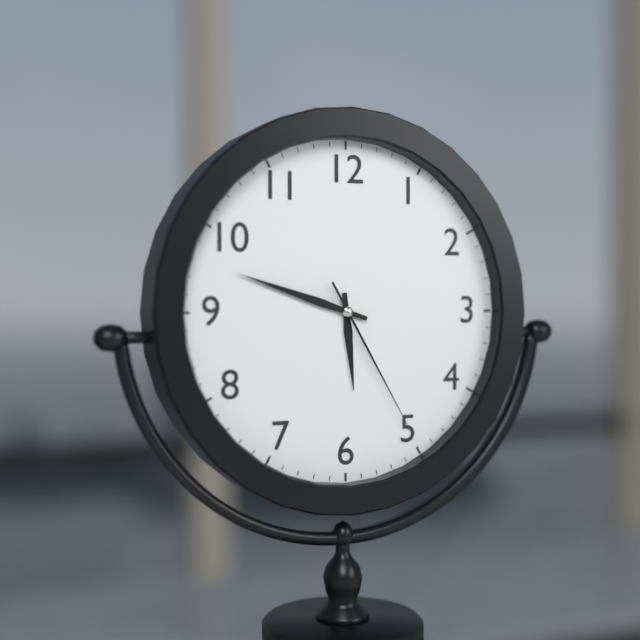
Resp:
h=5 m=48 s=25
